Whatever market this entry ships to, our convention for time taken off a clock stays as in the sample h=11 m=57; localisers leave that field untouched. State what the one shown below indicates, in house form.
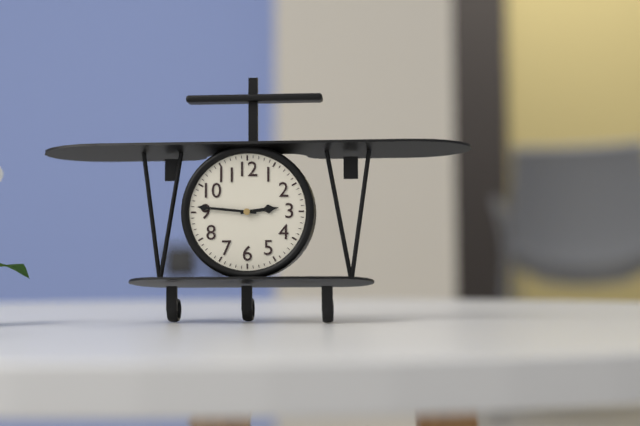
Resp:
h=2 m=46
